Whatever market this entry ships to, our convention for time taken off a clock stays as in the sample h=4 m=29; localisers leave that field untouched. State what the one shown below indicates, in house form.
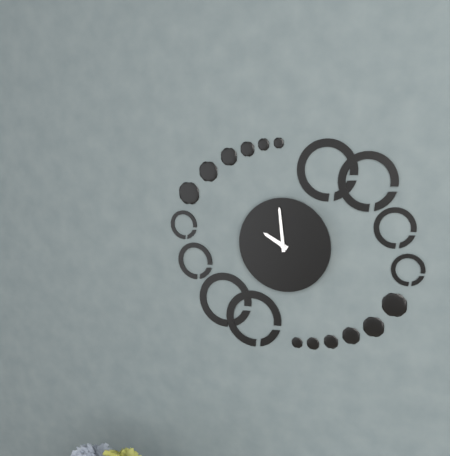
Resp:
h=9 m=59
